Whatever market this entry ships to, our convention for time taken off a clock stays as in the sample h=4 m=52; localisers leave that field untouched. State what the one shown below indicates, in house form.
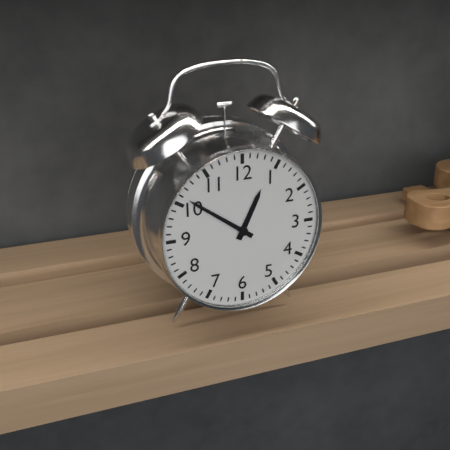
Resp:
h=12 m=51
